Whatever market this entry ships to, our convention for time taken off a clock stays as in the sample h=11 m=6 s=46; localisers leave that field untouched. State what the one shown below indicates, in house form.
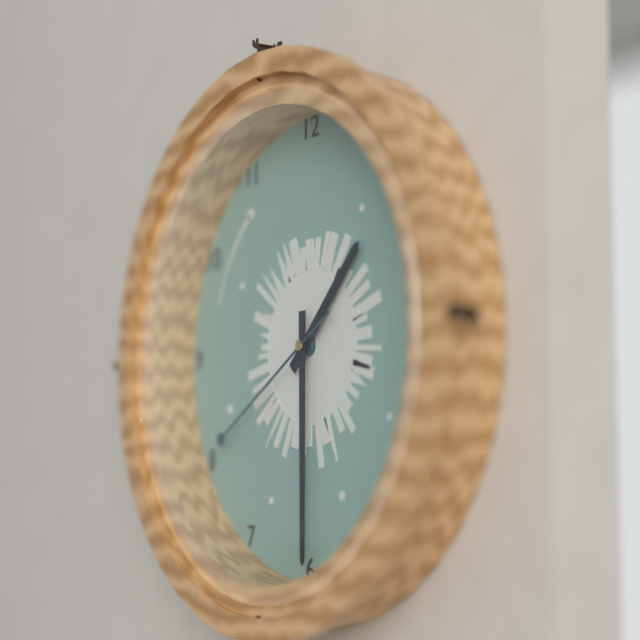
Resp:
h=1 m=30 s=40
